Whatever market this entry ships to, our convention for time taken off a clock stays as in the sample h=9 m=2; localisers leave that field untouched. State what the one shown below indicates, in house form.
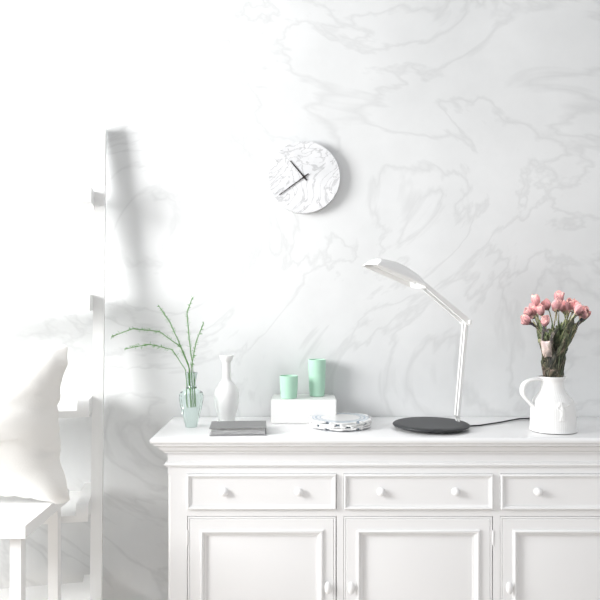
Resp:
h=10 m=39
